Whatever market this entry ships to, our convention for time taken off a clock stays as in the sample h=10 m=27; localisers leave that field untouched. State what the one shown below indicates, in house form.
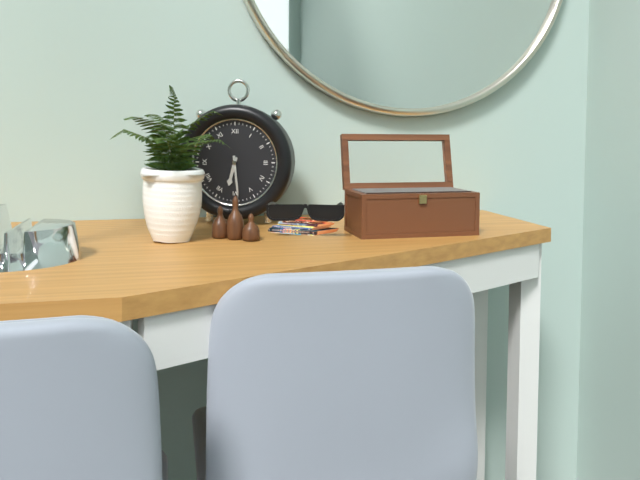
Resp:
h=6 m=29
